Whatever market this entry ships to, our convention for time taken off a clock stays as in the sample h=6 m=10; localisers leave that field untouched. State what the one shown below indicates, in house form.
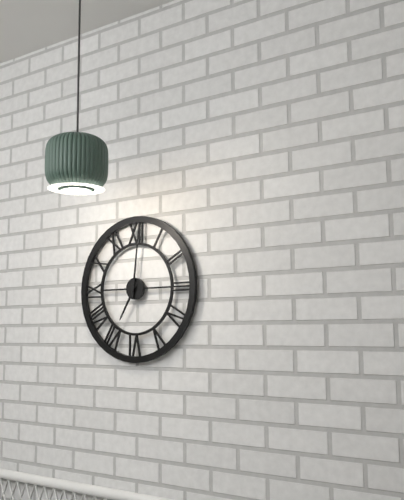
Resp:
h=7 m=1
